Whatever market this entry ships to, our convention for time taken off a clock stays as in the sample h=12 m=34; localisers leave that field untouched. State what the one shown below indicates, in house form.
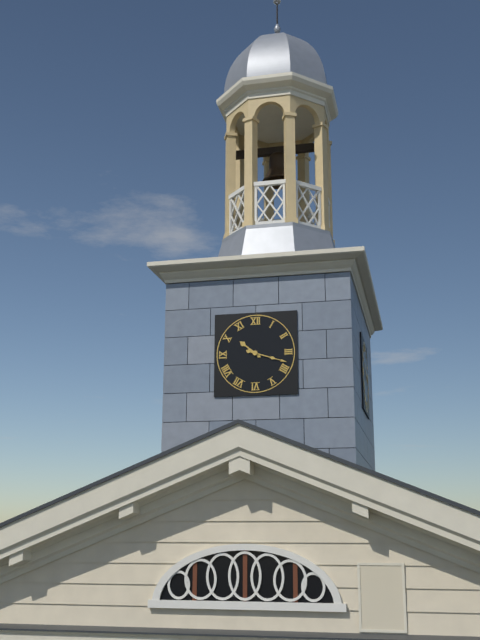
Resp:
h=10 m=18
